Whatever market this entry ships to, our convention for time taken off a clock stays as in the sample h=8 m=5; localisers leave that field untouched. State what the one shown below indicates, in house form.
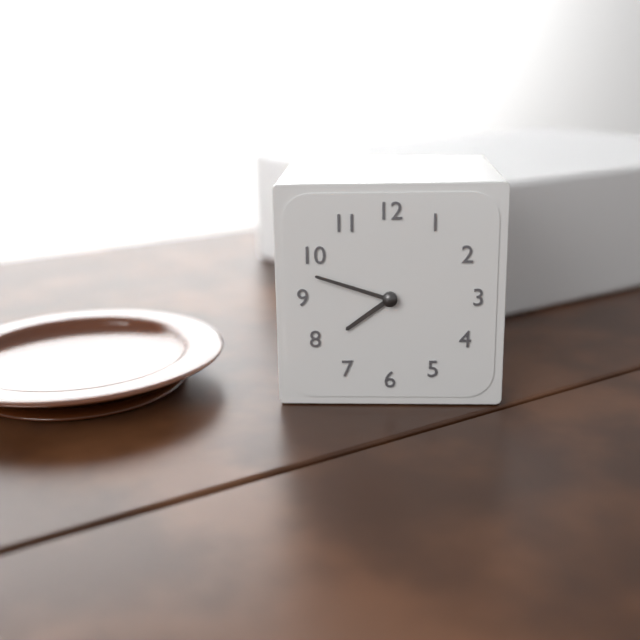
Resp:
h=7 m=48
